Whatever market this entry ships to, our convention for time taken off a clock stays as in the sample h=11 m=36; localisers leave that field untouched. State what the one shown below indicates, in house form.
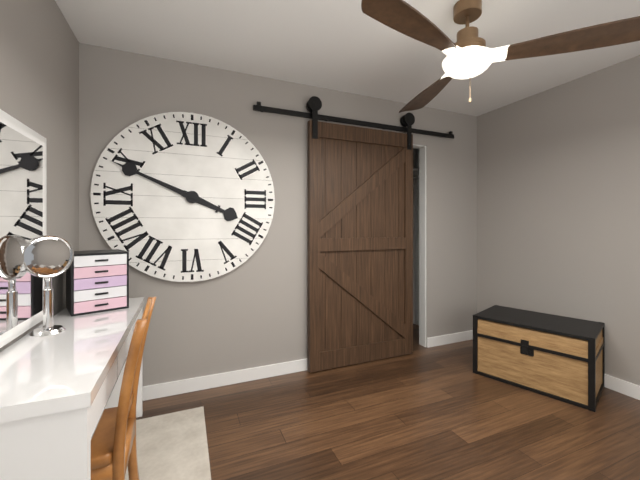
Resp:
h=3 m=49
